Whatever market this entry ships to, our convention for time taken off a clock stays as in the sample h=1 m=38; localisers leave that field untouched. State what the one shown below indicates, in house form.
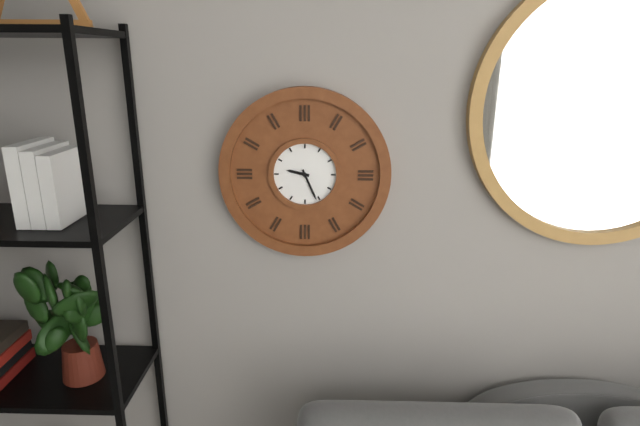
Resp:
h=9 m=26
